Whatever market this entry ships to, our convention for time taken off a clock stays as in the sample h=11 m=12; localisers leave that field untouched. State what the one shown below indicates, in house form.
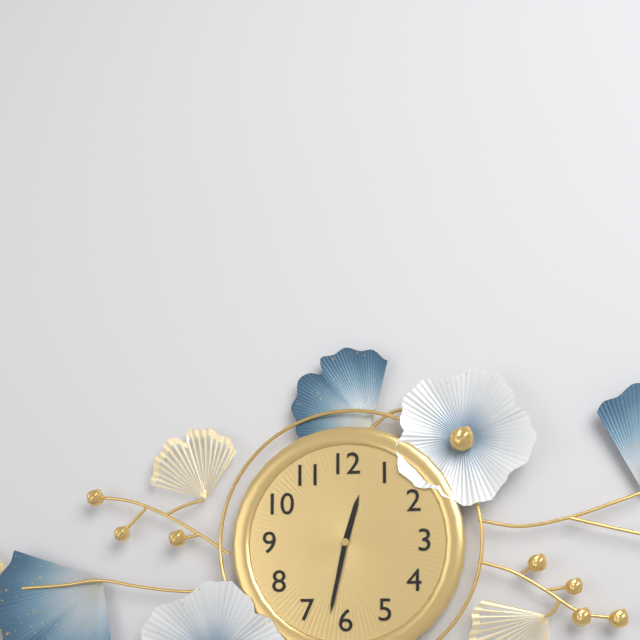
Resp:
h=12 m=32
